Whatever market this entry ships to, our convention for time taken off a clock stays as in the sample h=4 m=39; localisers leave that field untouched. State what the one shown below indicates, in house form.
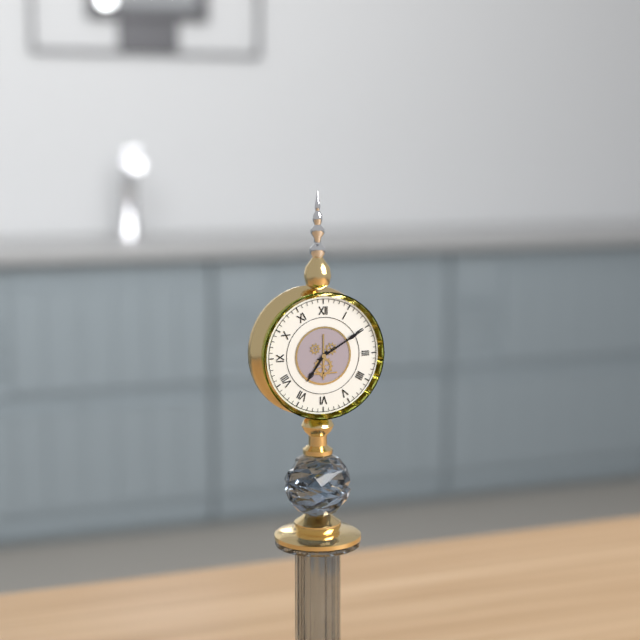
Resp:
h=7 m=10
